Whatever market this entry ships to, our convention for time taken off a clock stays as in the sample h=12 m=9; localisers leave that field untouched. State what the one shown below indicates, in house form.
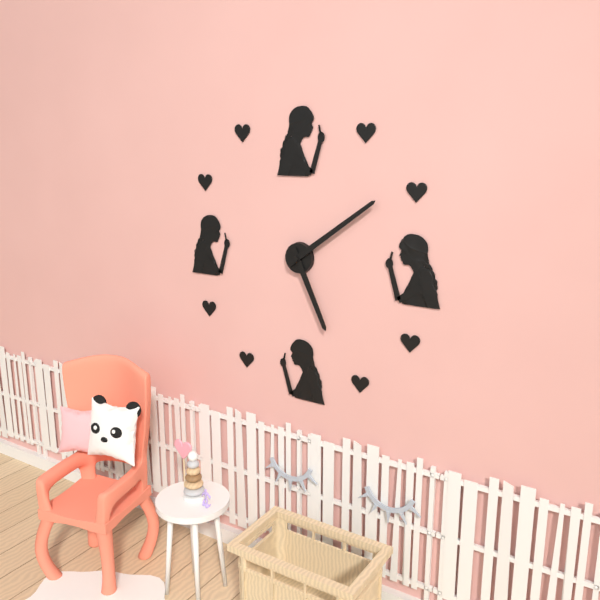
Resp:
h=5 m=9
